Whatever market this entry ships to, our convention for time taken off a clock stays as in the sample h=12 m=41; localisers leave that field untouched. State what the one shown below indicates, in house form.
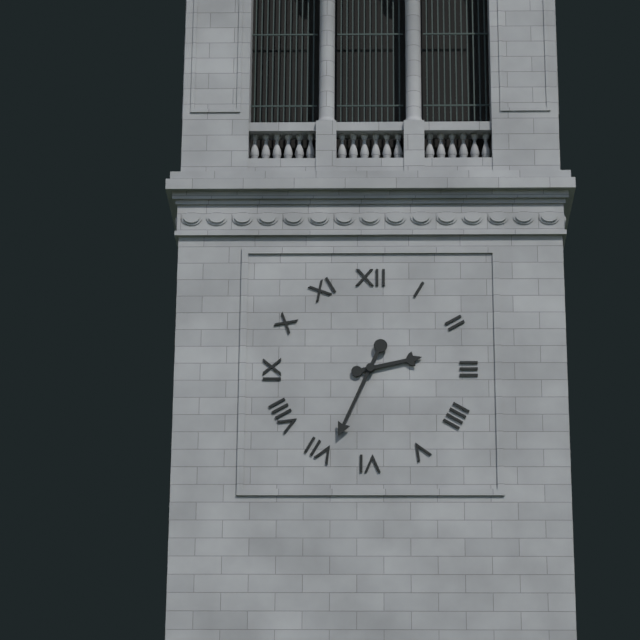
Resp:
h=2 m=34
